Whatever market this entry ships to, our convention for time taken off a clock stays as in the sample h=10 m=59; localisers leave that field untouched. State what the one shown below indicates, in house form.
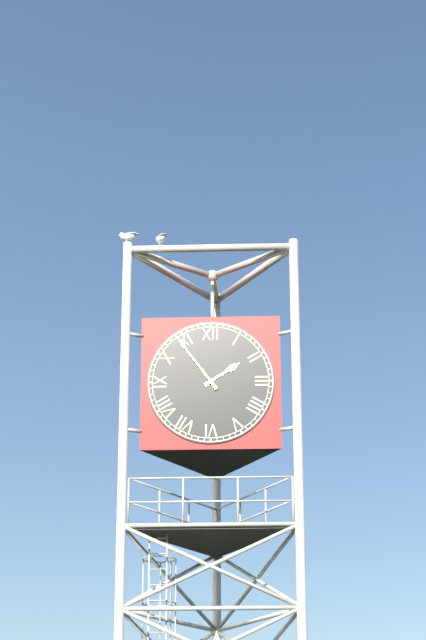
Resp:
h=1 m=54
